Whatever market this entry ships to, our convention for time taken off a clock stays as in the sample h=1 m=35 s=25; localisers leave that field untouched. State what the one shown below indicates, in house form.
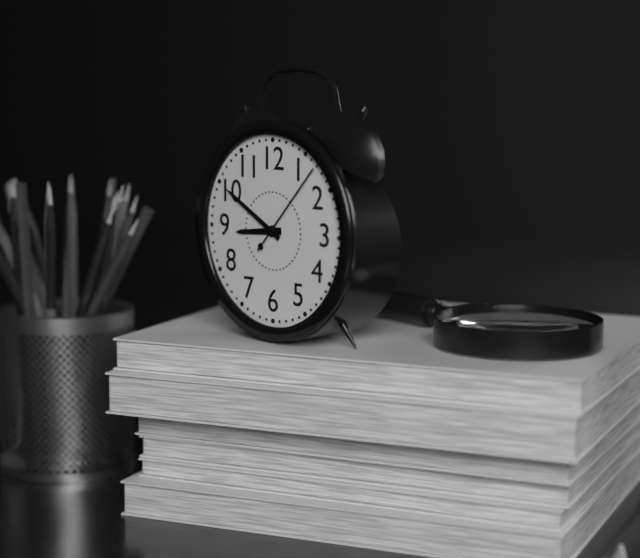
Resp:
h=8 m=50 s=7
